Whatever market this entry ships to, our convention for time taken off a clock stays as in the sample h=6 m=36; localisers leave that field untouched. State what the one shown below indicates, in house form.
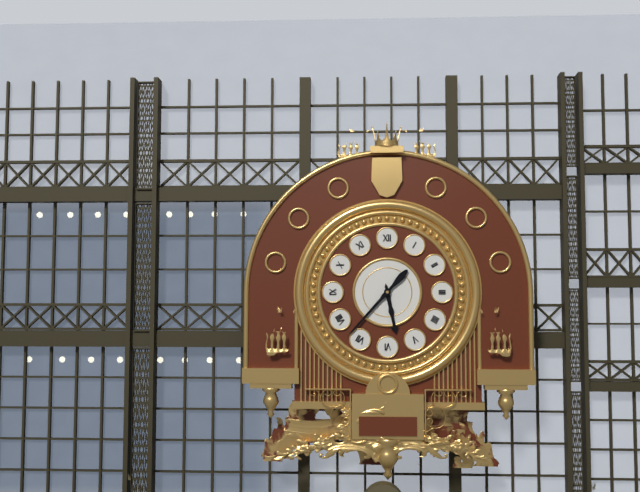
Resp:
h=5 m=37
